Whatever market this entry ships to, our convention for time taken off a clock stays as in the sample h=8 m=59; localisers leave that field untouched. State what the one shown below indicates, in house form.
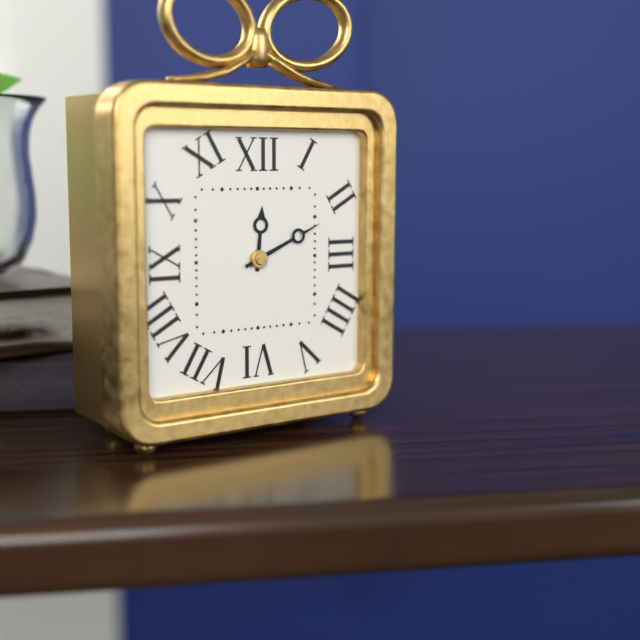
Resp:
h=12 m=11
